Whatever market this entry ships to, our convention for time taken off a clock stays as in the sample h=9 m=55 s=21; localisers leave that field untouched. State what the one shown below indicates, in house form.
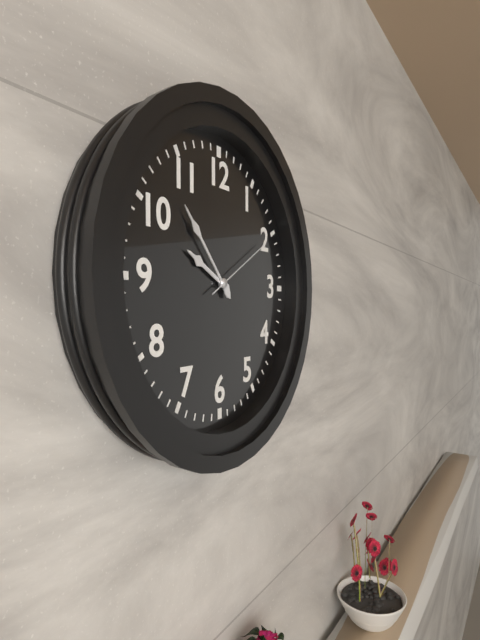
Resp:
h=9 m=53 s=10
